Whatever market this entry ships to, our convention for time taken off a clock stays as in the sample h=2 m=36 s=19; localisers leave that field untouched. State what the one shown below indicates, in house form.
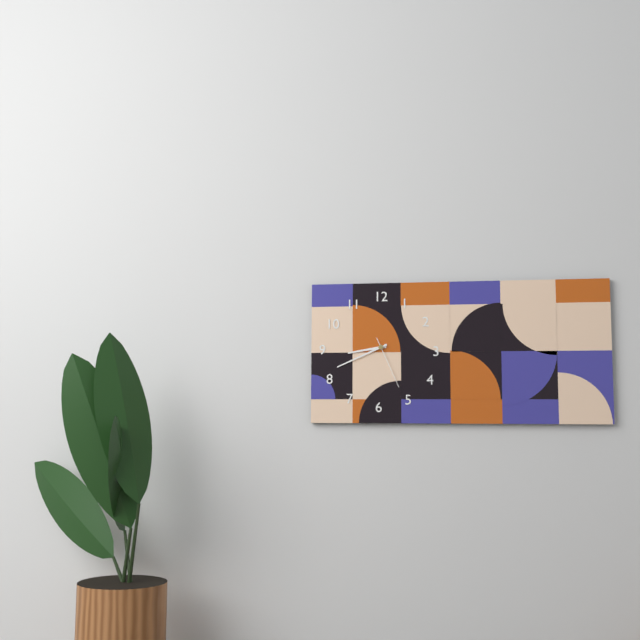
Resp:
h=8 m=41 s=26
